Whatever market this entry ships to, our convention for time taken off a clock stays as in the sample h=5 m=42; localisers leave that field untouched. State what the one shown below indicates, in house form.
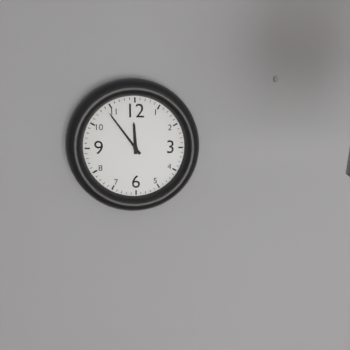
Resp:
h=11 m=54
